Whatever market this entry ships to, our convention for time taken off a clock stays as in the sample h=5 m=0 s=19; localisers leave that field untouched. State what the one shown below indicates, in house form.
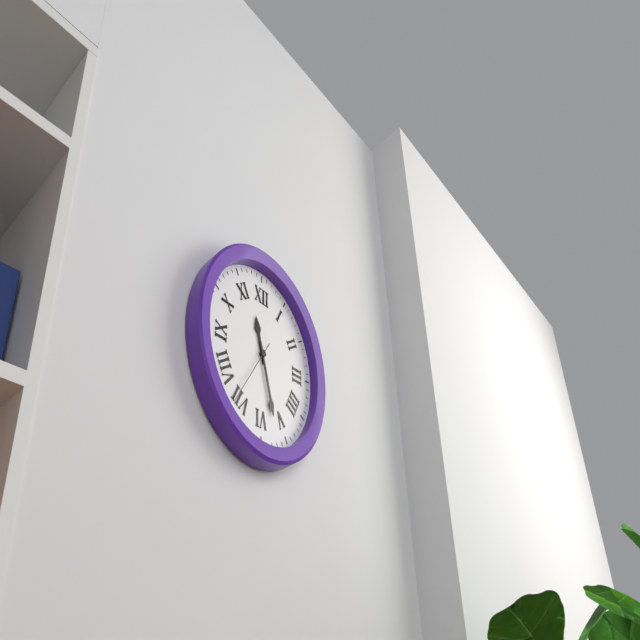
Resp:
h=11 m=27 s=36
